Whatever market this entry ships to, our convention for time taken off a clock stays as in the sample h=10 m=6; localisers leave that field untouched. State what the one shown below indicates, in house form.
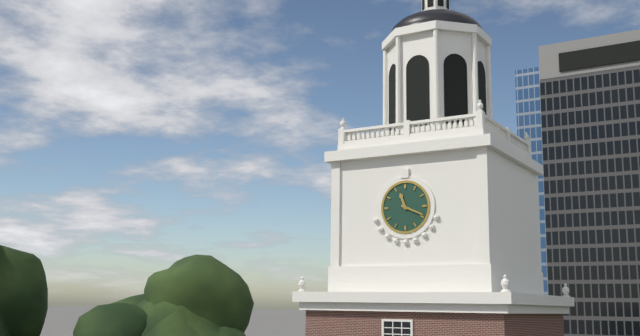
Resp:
h=11 m=19
